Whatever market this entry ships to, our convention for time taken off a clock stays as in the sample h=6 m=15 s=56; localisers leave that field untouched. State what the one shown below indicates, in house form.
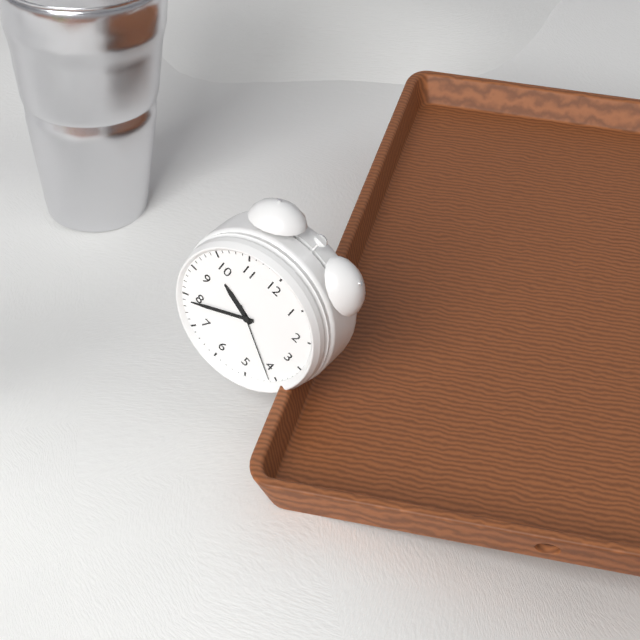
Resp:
h=9 m=39 s=21
